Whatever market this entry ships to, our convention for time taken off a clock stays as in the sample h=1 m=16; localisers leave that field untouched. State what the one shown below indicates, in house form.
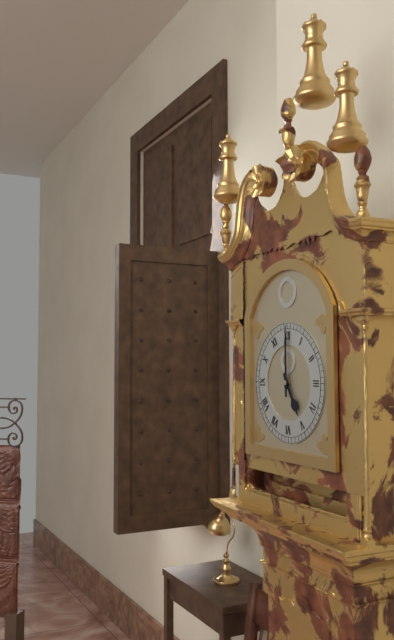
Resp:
h=5 m=0
